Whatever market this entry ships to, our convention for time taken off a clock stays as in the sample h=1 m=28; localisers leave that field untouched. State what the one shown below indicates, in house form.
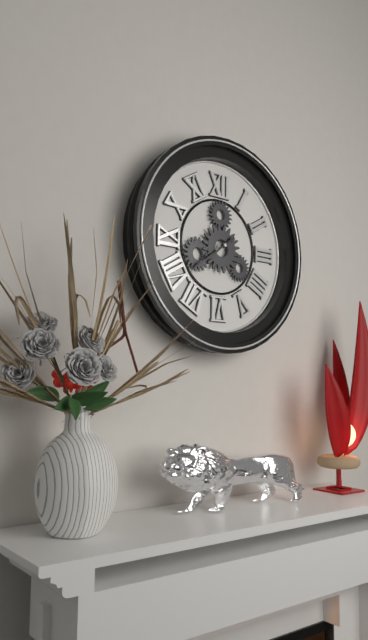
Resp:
h=7 m=39
